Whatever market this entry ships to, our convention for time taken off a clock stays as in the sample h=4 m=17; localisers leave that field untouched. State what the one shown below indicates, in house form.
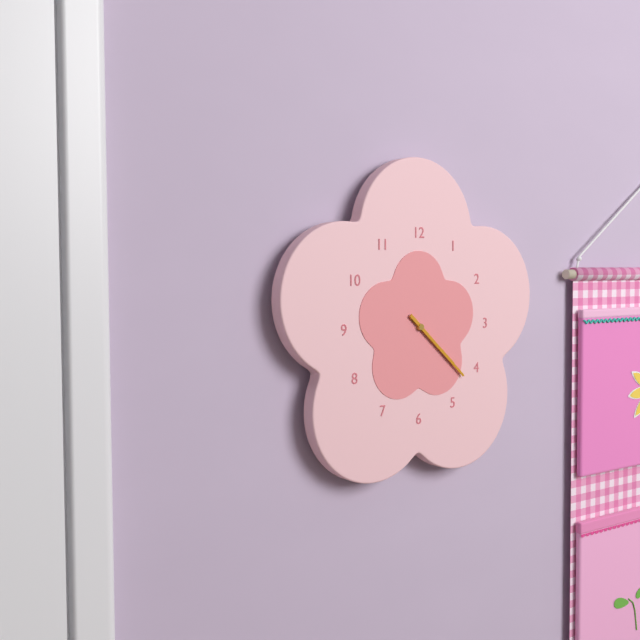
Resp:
h=4 m=22
